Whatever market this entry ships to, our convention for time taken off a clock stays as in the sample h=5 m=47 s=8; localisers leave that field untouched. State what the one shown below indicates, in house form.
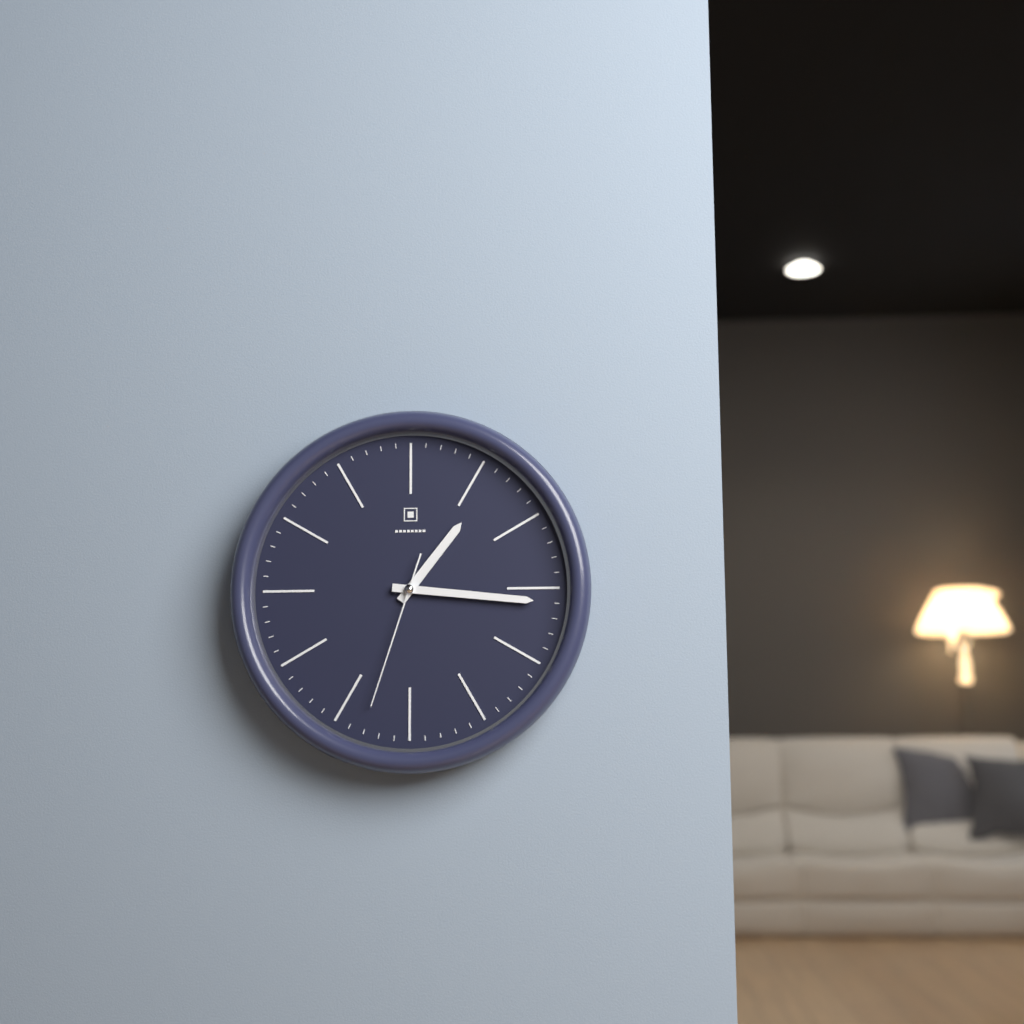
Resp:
h=1 m=16 s=33
